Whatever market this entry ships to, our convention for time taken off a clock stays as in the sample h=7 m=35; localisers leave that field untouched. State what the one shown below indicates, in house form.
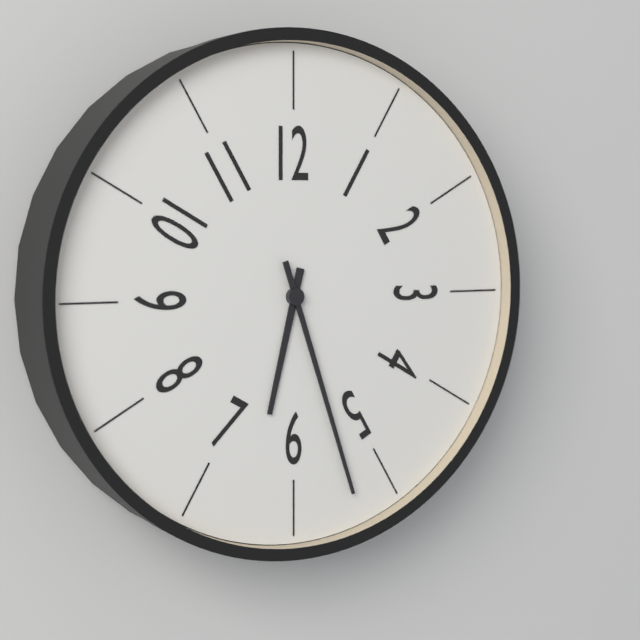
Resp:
h=6 m=27
